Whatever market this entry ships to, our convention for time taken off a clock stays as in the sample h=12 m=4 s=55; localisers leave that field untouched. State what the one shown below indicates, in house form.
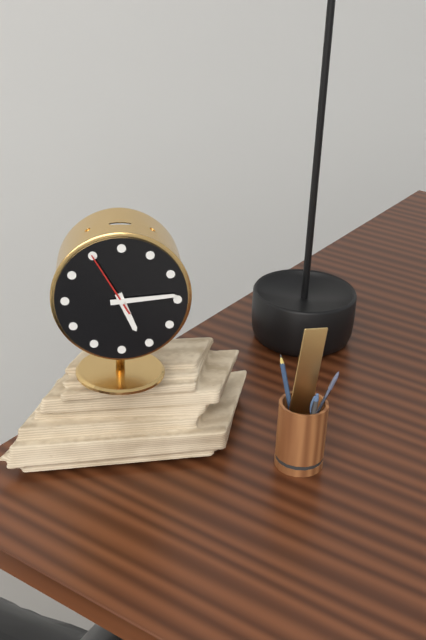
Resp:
h=5 m=14 s=55
